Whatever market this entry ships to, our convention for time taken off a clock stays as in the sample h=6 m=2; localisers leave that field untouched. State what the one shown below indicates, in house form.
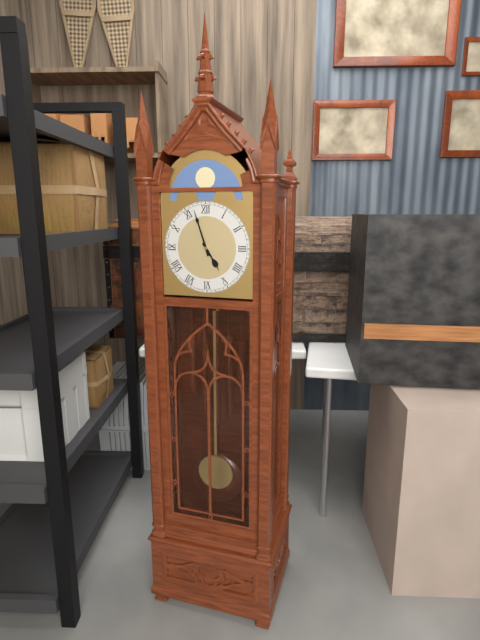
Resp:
h=4 m=57
